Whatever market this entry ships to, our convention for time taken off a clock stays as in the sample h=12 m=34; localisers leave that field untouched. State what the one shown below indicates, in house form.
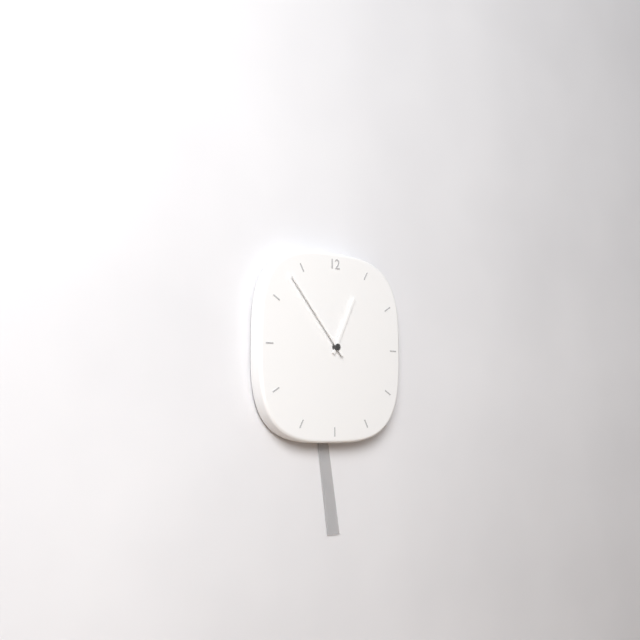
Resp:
h=12 m=53
